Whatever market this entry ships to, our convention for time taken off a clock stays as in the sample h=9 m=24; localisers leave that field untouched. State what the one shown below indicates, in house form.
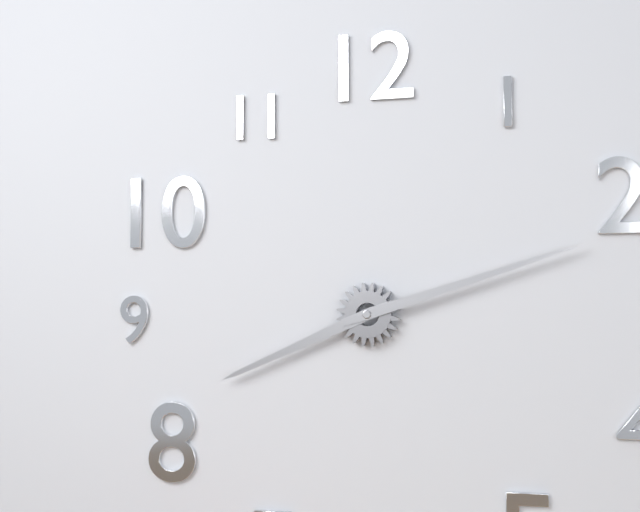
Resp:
h=8 m=12
